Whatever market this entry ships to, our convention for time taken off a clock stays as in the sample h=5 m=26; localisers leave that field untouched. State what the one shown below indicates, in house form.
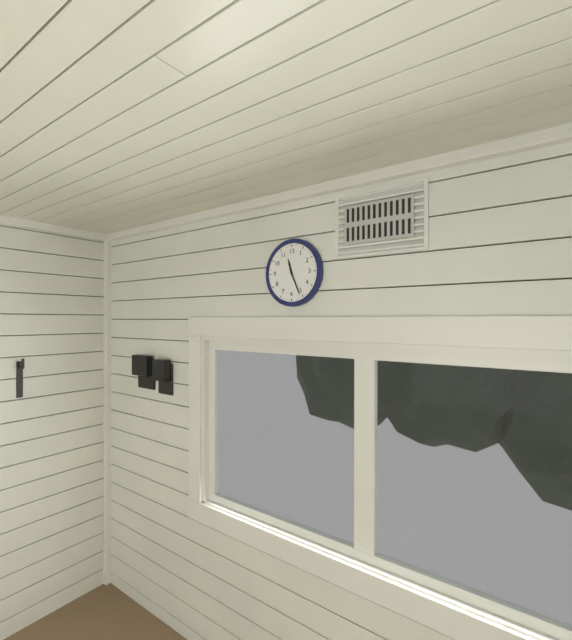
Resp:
h=11 m=26
